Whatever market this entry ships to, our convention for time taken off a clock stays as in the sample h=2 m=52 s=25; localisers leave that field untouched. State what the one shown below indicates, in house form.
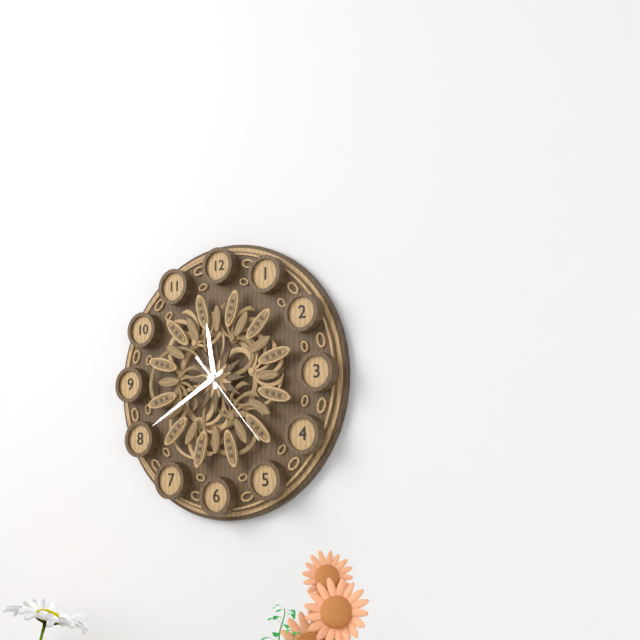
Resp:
h=11 m=40 s=23
